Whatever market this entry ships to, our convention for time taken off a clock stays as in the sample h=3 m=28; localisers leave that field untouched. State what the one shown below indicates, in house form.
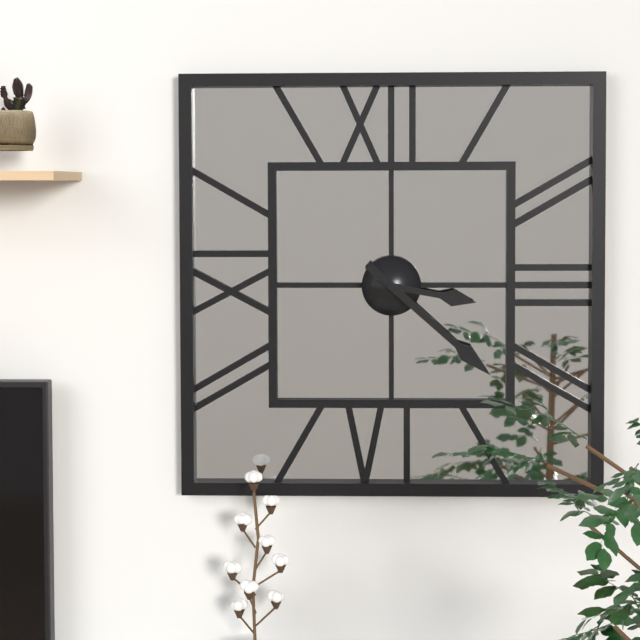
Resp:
h=3 m=22
